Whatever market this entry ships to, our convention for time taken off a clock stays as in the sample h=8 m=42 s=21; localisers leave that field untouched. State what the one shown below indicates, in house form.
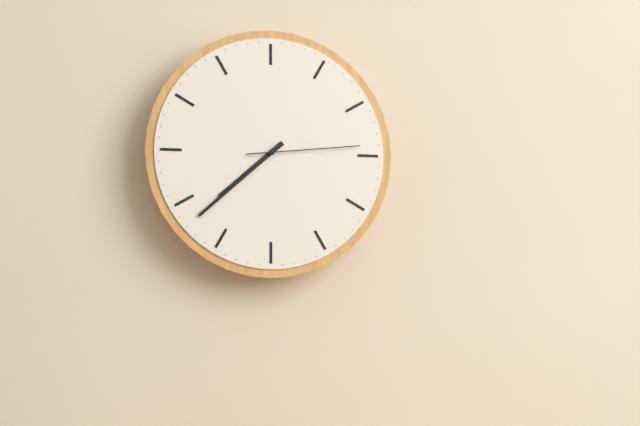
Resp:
h=7 m=38 s=14
